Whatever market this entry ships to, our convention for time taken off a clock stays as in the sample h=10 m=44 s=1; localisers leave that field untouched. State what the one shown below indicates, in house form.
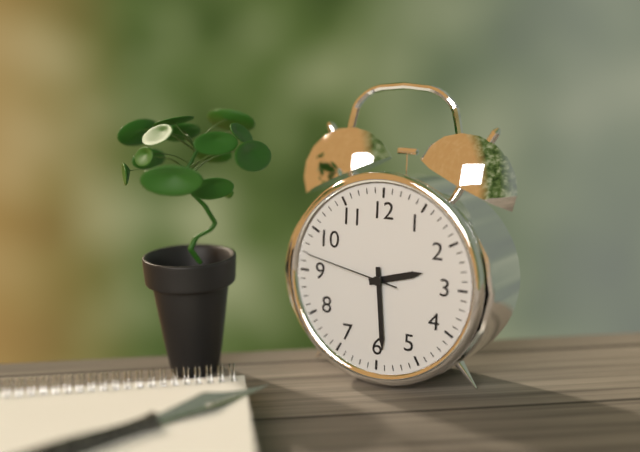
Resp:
h=2 m=29 s=47
